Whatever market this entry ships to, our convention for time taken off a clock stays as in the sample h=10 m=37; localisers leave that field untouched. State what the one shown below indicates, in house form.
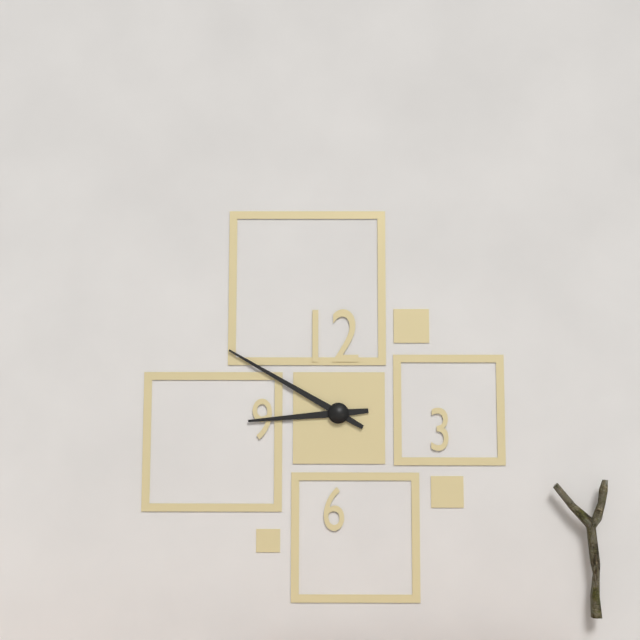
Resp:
h=8 m=50
